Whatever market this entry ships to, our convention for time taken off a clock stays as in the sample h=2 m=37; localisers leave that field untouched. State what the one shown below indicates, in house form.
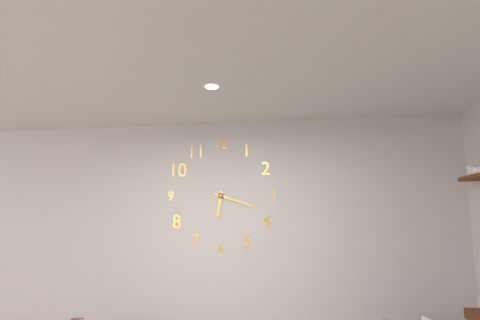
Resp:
h=6 m=18
